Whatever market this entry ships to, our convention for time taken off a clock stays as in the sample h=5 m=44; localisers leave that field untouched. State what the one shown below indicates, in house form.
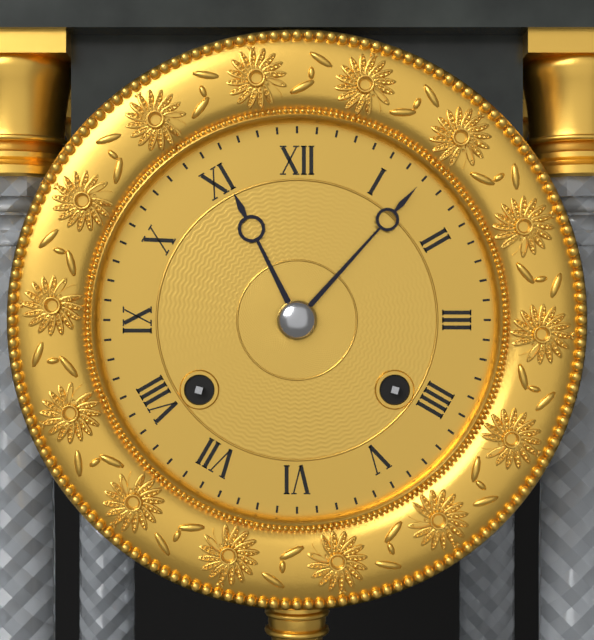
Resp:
h=11 m=7
